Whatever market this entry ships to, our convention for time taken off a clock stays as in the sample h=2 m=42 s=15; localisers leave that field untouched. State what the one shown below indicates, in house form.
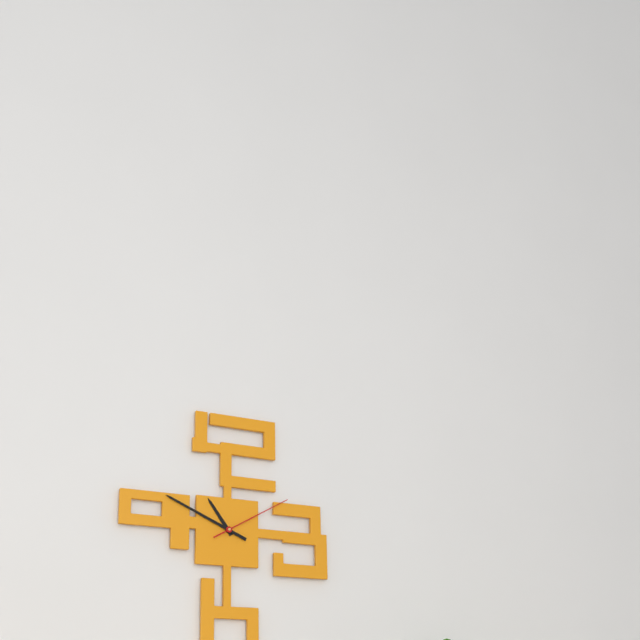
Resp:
h=10 m=49 s=10
